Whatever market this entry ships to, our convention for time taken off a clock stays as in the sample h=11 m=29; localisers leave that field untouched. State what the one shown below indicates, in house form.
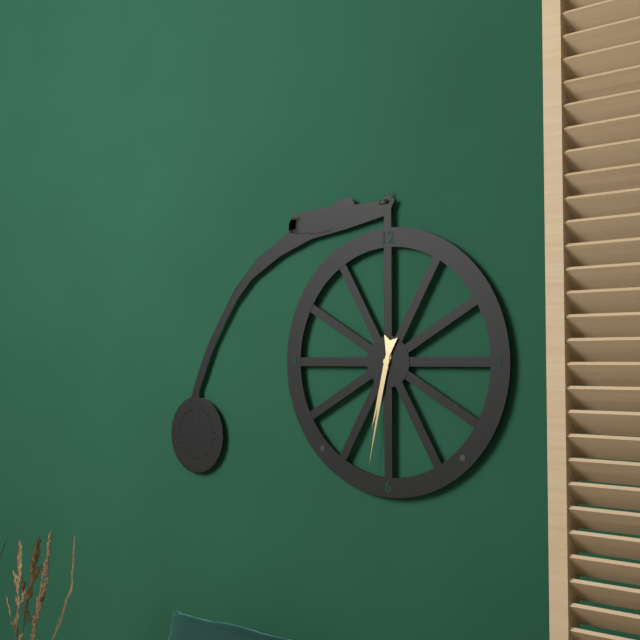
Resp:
h=6 m=32
